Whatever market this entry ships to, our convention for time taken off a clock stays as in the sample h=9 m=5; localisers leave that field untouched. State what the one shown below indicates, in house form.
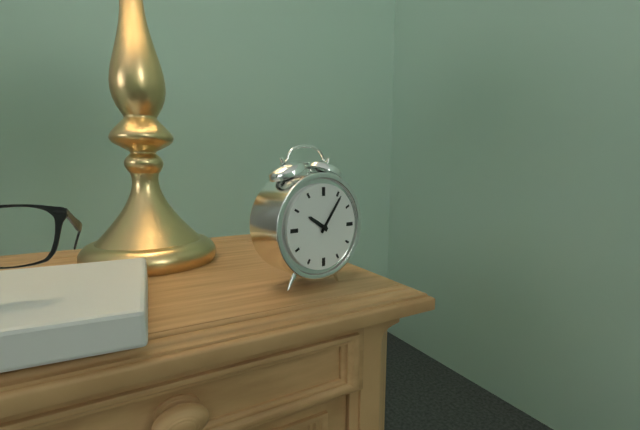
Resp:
h=10 m=6
